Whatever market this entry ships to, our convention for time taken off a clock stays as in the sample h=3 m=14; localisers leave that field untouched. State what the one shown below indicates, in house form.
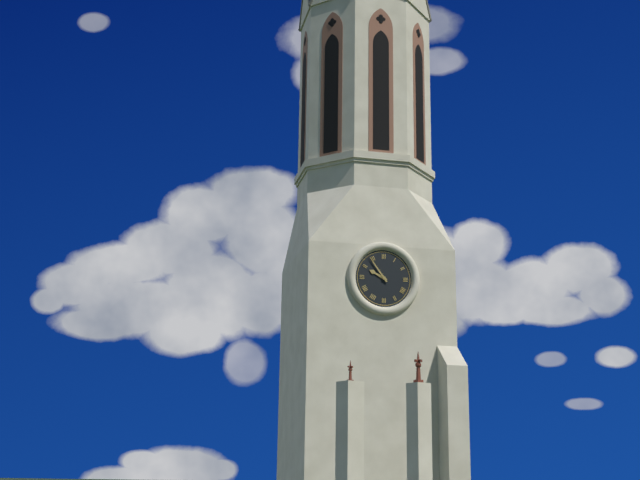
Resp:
h=9 m=54
